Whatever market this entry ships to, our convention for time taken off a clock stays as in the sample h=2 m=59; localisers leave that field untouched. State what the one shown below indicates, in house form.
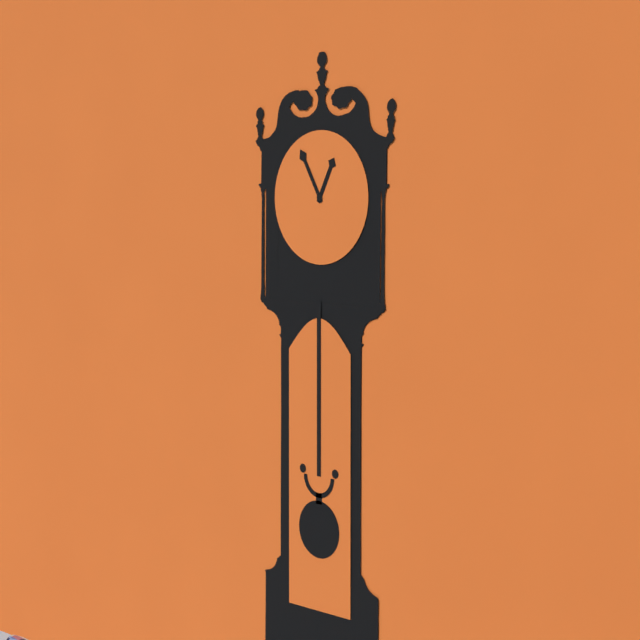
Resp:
h=12 m=55
